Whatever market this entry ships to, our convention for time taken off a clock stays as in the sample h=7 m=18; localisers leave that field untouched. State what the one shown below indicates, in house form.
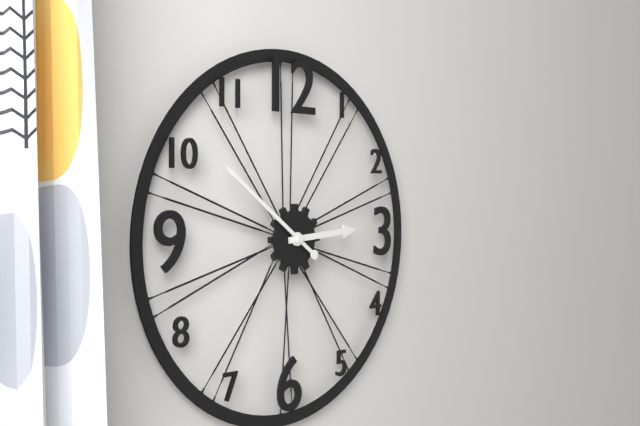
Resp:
h=2 m=51
